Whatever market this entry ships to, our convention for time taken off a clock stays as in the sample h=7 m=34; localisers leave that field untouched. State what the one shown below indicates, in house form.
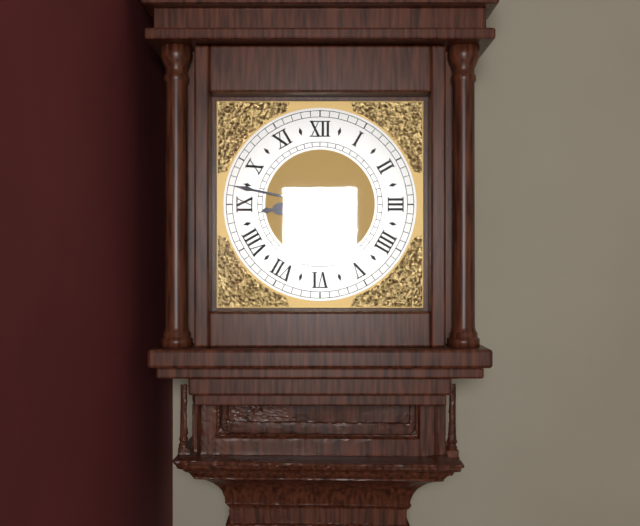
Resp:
h=8 m=47
